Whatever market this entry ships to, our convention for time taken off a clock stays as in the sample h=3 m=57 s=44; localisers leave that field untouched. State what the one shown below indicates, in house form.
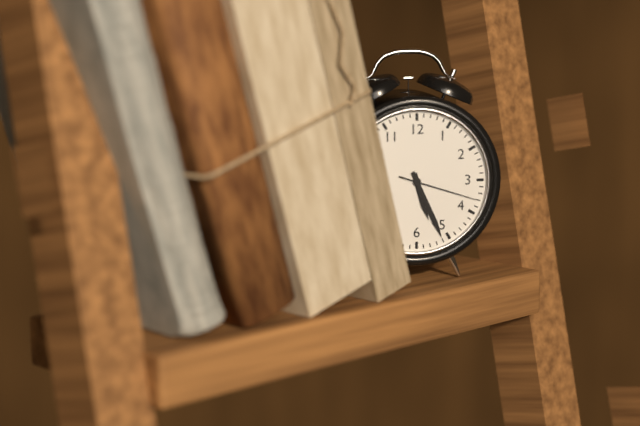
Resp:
h=5 m=26 s=18
